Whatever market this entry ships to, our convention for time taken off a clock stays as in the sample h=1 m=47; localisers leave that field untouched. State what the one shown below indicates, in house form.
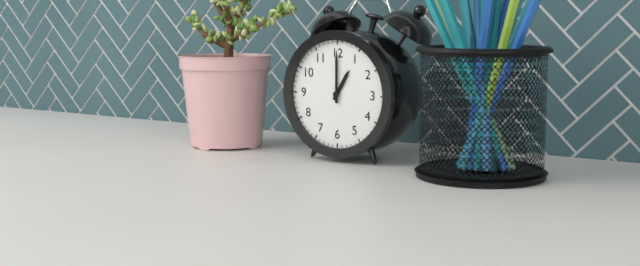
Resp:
h=1 m=0
